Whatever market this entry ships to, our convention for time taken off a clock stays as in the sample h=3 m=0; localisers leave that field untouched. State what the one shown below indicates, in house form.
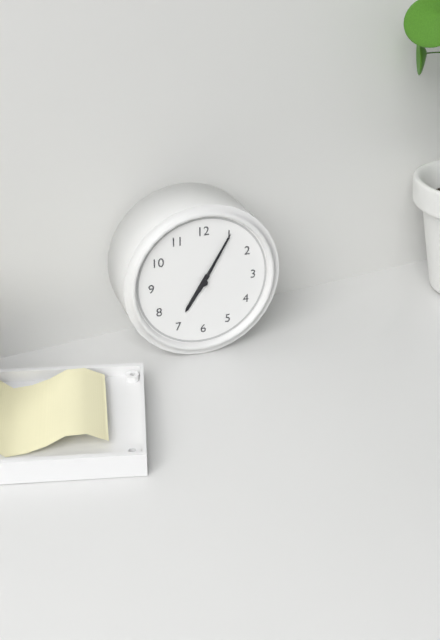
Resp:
h=7 m=5
